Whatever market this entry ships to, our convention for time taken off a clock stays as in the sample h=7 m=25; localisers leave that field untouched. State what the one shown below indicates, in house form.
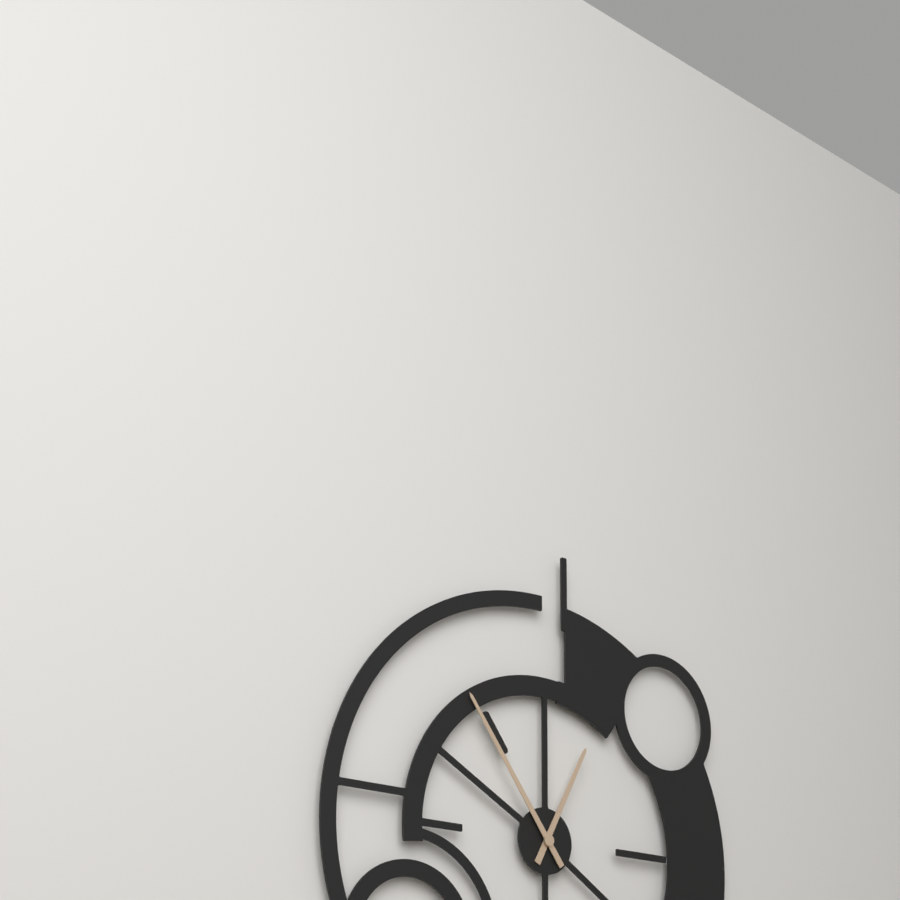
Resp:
h=12 m=54
